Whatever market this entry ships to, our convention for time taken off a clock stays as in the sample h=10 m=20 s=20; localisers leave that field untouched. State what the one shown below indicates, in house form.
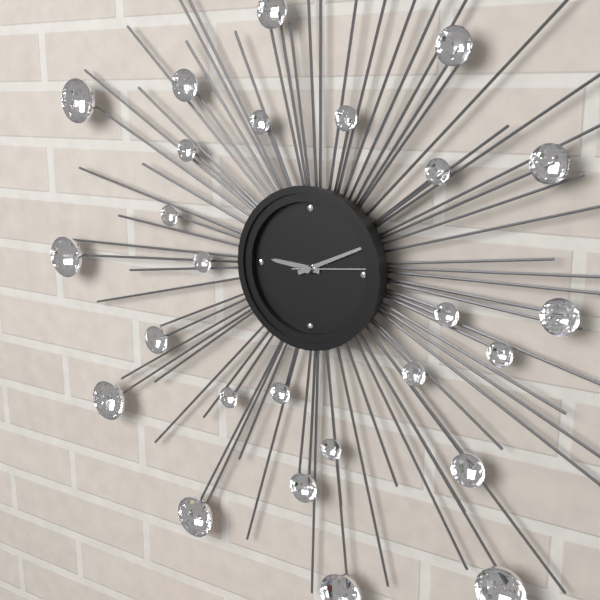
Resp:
h=9 m=11 s=14
